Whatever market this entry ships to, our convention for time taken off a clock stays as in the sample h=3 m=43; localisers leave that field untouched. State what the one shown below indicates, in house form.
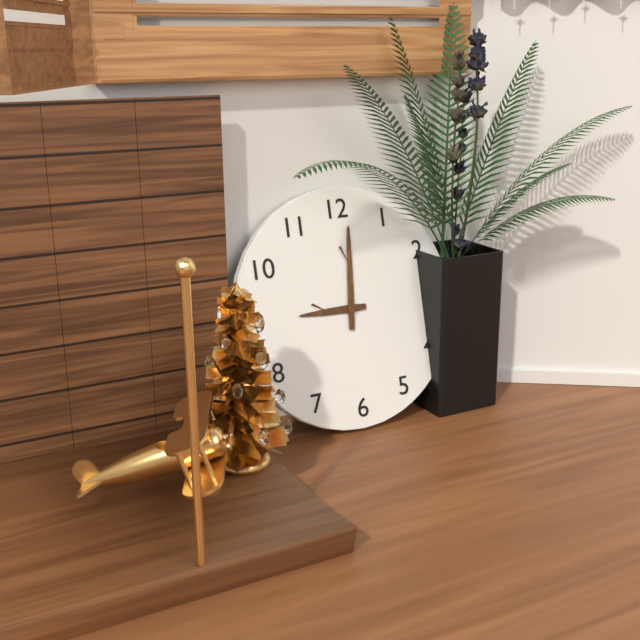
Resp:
h=9 m=1
